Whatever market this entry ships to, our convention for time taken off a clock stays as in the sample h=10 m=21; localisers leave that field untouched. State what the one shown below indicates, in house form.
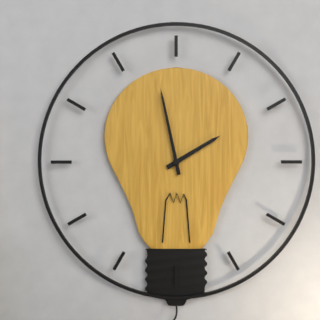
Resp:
h=1 m=58
